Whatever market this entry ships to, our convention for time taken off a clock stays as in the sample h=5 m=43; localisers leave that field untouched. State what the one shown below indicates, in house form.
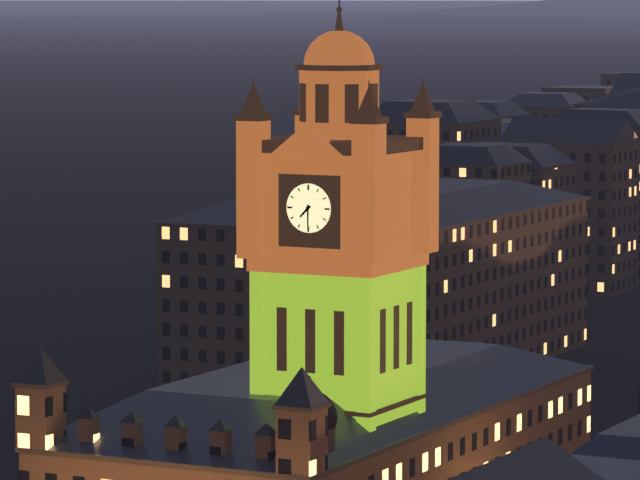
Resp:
h=7 m=30
